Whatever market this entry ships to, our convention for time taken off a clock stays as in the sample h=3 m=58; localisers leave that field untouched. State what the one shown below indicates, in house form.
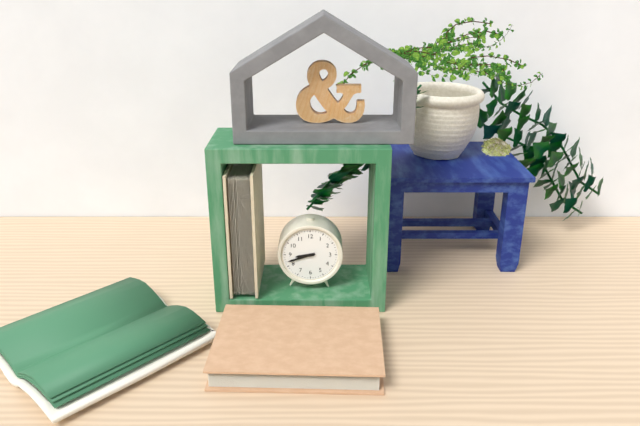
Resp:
h=8 m=42
